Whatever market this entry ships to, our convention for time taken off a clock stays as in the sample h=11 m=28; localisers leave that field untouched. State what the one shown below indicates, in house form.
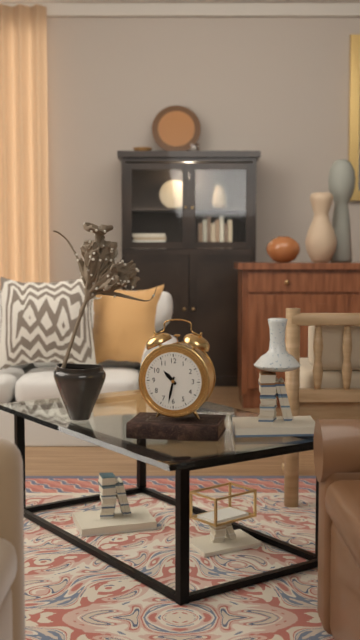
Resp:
h=10 m=32
